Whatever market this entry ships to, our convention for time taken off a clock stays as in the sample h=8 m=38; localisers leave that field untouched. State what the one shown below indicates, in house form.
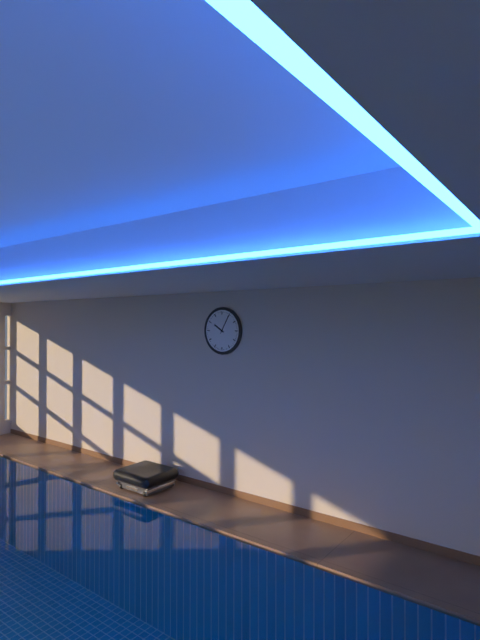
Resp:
h=10 m=5
